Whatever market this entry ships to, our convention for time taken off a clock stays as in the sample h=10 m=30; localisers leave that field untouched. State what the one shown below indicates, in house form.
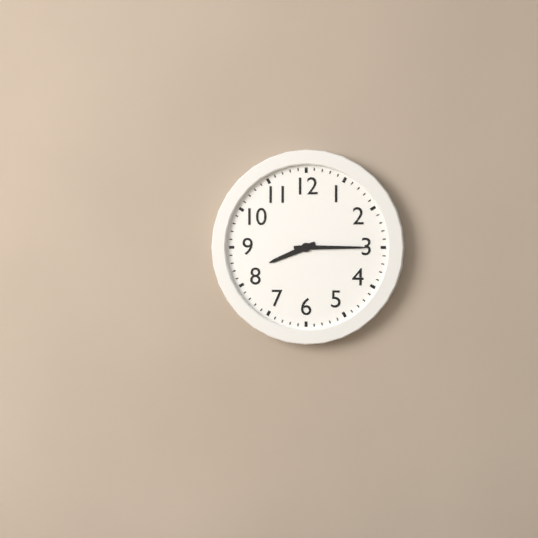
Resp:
h=8 m=15
